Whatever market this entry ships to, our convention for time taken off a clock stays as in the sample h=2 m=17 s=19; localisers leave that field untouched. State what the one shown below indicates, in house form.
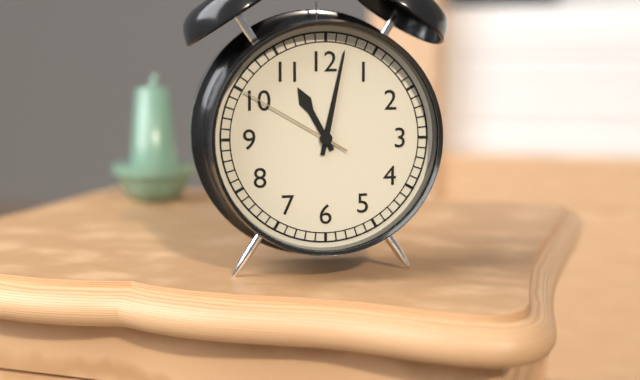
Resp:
h=11 m=2 s=50
